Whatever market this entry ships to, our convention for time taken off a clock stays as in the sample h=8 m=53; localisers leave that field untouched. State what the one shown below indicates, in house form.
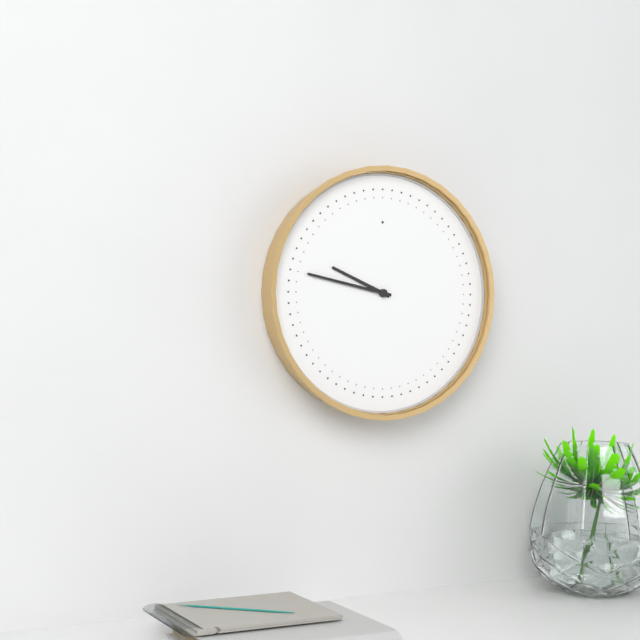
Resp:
h=9 m=47
